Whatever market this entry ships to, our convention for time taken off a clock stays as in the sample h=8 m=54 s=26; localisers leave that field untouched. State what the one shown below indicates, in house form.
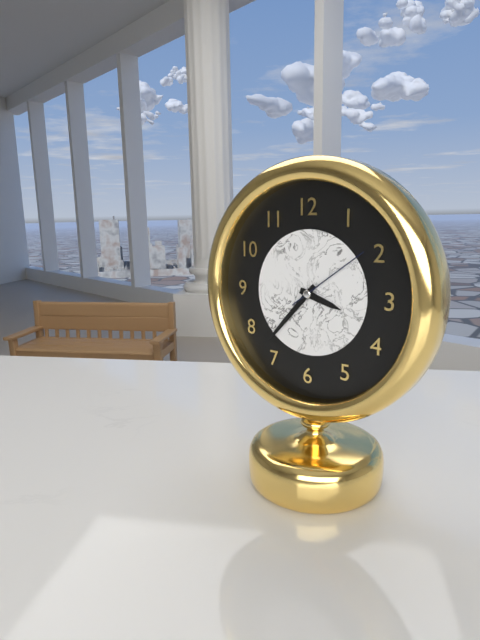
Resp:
h=3 m=37 s=9
